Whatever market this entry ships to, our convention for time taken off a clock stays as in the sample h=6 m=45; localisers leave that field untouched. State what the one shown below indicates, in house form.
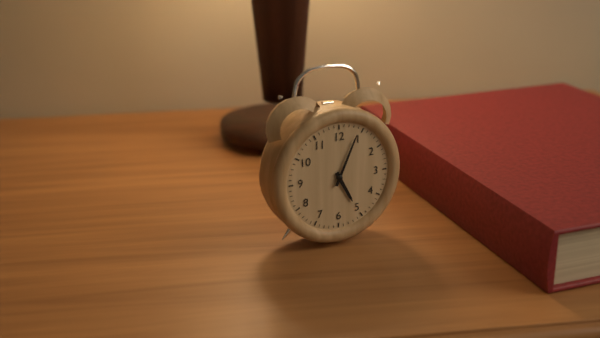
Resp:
h=5 m=4
